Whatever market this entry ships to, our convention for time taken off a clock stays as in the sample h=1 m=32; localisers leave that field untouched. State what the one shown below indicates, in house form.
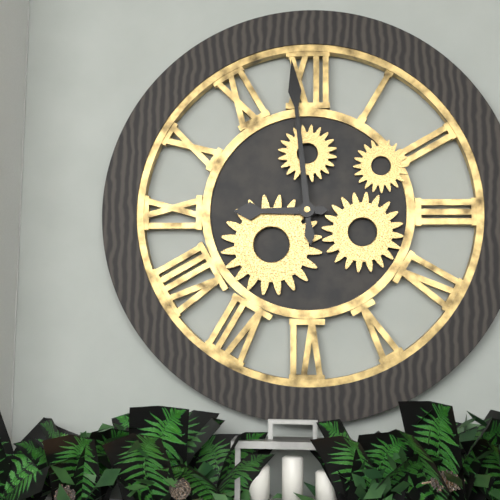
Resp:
h=8 m=59
